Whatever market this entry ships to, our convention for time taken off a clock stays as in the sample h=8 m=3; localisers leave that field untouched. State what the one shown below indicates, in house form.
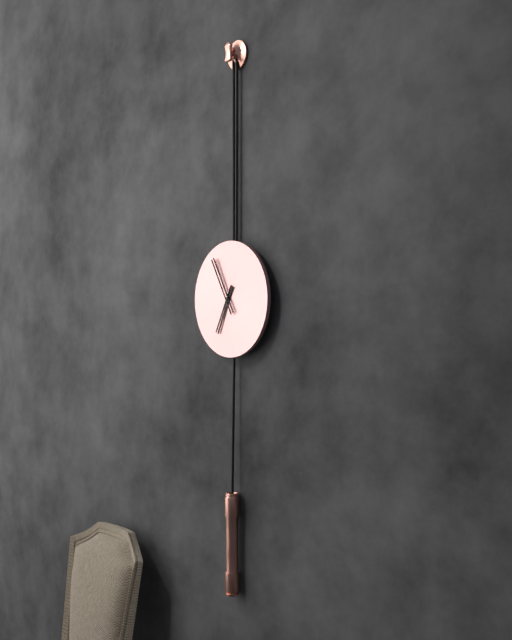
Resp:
h=6 m=55
